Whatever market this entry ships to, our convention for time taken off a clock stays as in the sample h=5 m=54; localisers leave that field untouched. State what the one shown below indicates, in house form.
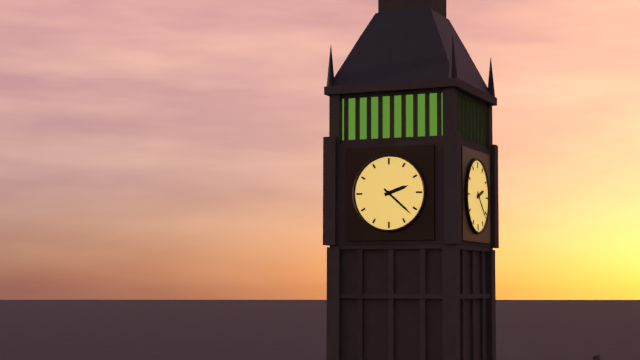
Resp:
h=2 m=22
